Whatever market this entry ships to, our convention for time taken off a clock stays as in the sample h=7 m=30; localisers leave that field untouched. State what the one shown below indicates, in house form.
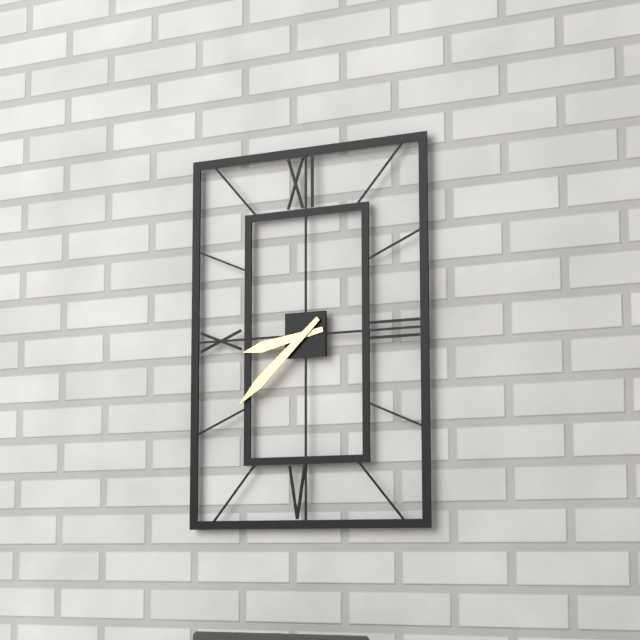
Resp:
h=8 m=38
